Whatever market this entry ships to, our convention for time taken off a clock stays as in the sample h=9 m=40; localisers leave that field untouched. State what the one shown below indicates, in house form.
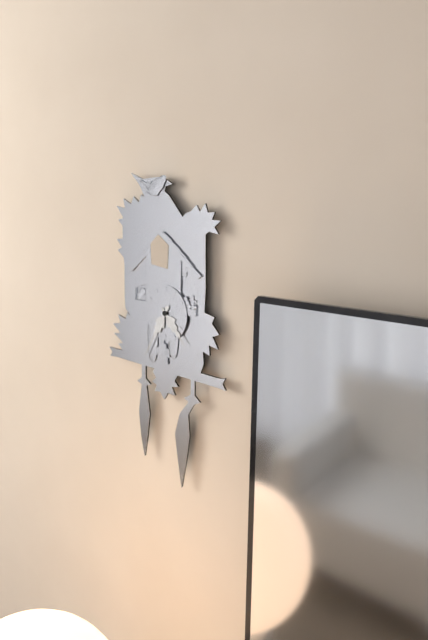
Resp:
h=4 m=35
